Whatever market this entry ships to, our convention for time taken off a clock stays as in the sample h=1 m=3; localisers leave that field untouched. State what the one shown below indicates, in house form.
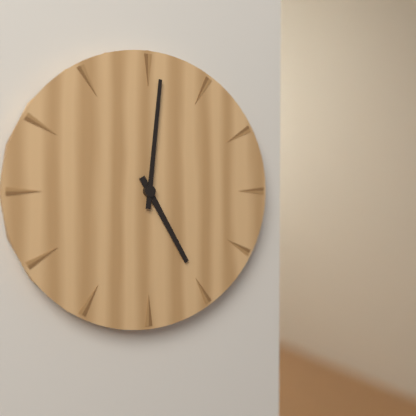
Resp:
h=5 m=1
